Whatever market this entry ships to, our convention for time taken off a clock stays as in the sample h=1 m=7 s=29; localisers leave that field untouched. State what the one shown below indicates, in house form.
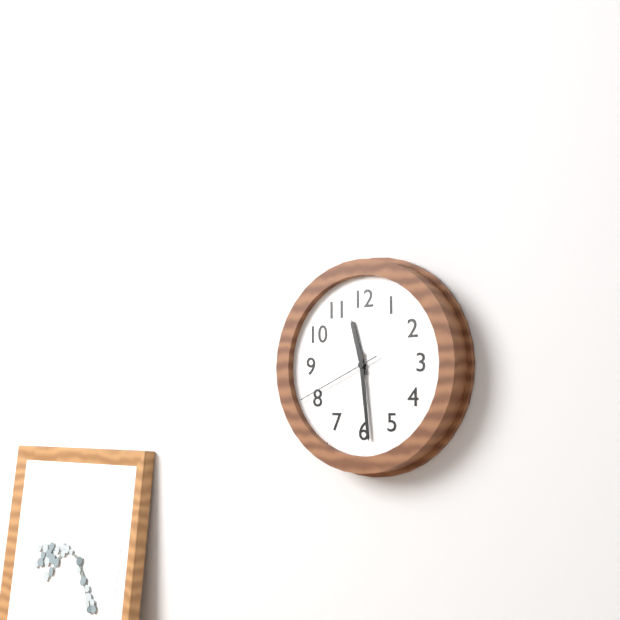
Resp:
h=11 m=29 s=41
